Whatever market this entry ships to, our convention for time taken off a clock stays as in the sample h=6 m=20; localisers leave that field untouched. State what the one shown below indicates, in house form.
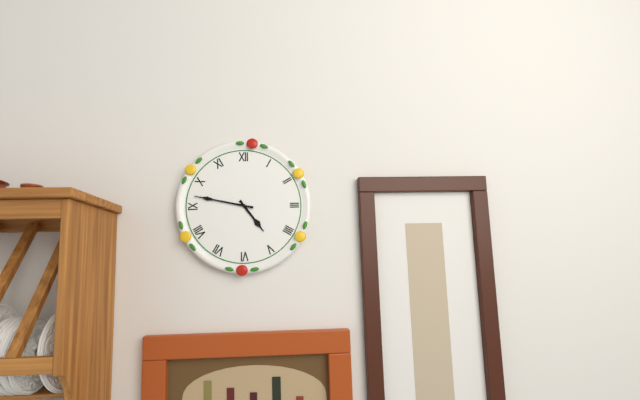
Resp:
h=4 m=47
